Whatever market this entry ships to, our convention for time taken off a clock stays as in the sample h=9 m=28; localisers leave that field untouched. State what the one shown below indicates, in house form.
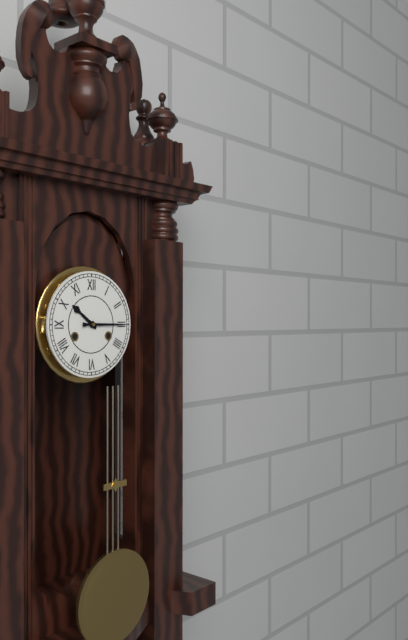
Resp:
h=10 m=15
